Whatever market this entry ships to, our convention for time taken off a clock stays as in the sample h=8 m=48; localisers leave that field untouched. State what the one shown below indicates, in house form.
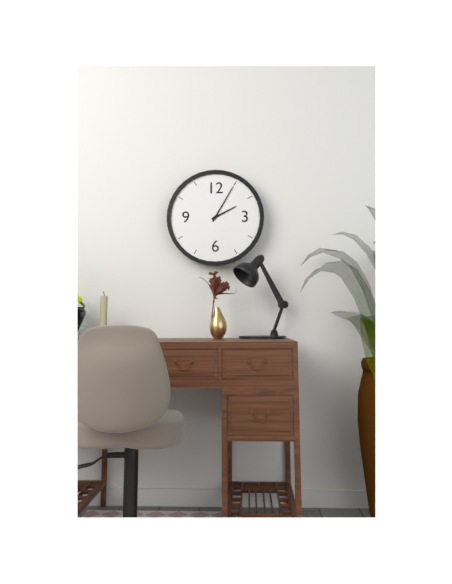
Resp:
h=2 m=5
